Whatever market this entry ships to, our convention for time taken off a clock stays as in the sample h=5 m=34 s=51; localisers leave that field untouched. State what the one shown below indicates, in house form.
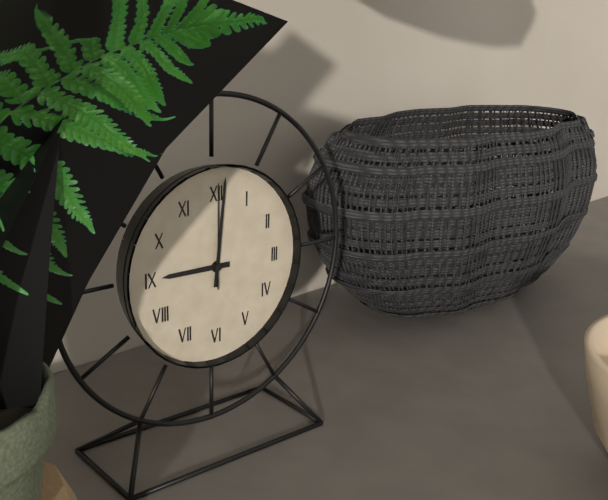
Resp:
h=9 m=1 s=0
